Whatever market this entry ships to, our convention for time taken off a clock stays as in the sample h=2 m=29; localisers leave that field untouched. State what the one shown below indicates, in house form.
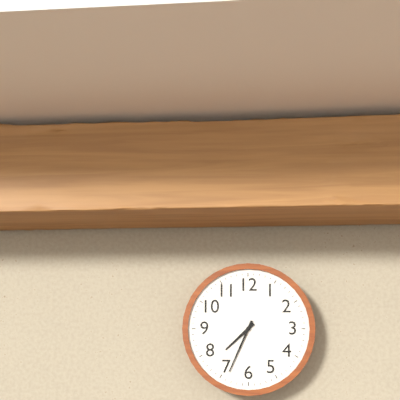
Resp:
h=7 m=34
